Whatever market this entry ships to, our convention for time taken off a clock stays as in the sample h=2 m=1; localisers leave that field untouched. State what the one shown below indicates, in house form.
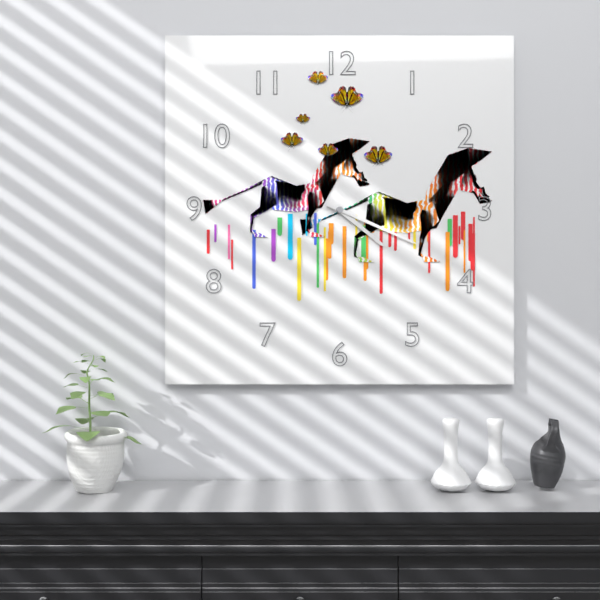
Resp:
h=4 m=19
